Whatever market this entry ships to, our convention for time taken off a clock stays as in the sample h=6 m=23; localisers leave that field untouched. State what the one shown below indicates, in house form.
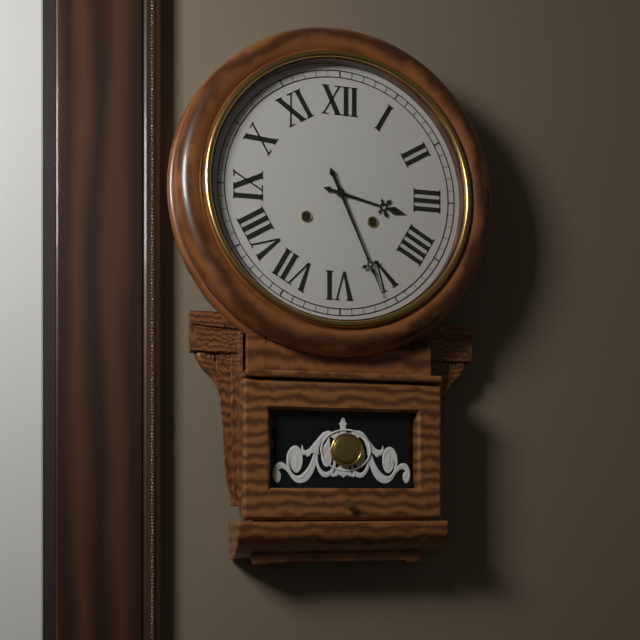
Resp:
h=3 m=26
